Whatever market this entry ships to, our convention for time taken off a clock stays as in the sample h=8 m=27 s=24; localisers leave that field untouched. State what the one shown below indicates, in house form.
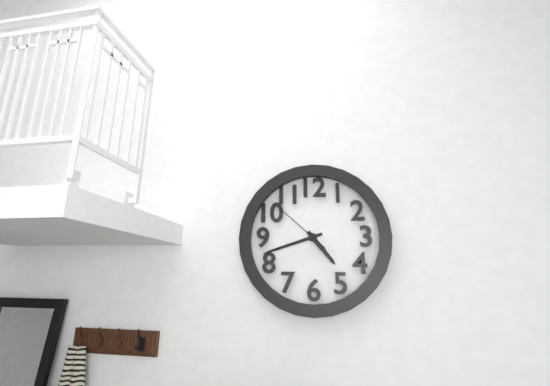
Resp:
h=4 m=42 s=52
